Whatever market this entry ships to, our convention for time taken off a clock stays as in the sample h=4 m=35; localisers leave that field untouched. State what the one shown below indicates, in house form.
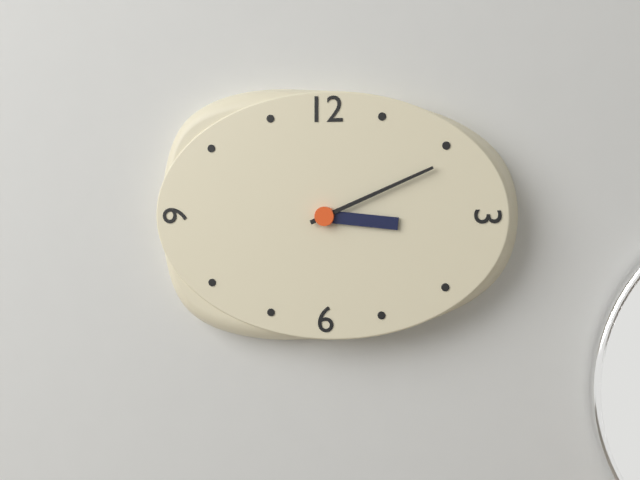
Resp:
h=3 m=11
